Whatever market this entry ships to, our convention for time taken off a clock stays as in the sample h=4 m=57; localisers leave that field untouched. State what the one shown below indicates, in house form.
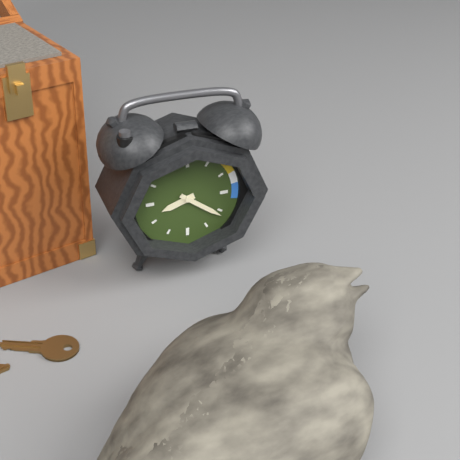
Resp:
h=8 m=21
